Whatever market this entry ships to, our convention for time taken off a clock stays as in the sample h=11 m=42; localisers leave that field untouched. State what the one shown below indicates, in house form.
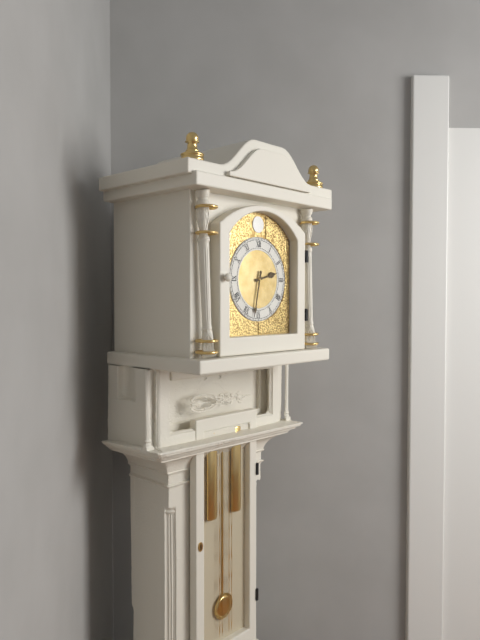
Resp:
h=2 m=32
